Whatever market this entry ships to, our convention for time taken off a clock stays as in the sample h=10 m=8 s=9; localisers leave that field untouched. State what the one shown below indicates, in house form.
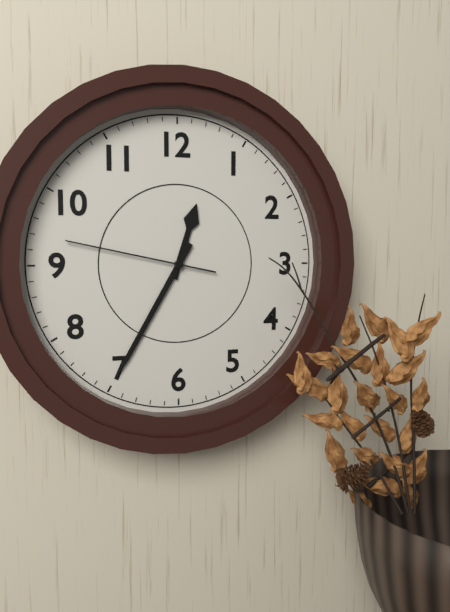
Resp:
h=12 m=35 s=47
